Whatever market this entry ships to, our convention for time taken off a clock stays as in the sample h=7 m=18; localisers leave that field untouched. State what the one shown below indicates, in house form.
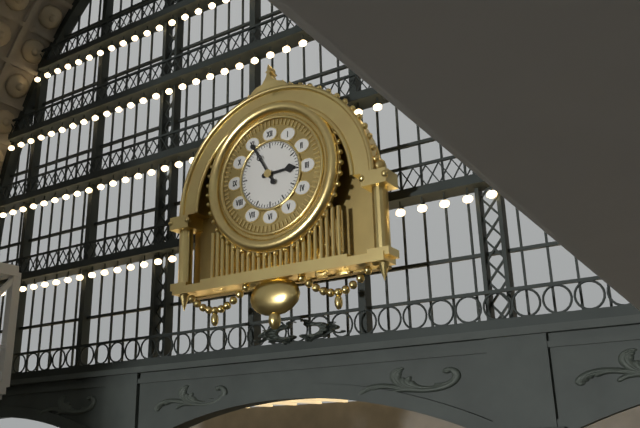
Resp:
h=2 m=55
